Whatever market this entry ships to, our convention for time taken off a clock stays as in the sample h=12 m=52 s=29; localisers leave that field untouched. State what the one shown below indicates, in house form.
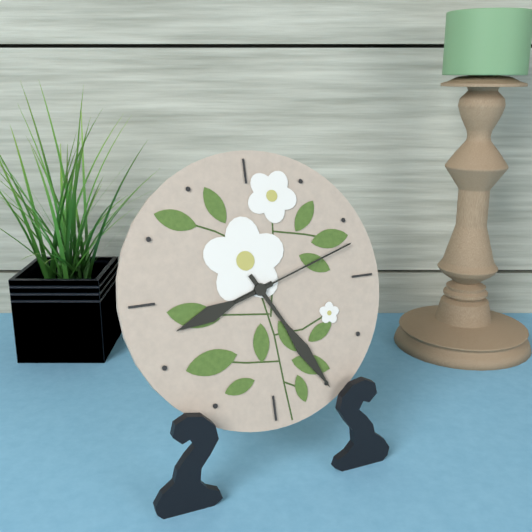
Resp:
h=8 m=25 s=12
